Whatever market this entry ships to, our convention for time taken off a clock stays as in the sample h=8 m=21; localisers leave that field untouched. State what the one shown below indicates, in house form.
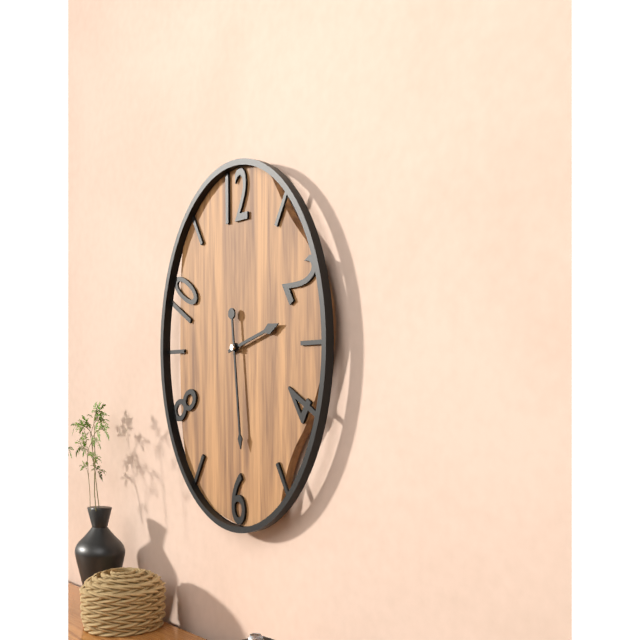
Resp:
h=2 m=29
